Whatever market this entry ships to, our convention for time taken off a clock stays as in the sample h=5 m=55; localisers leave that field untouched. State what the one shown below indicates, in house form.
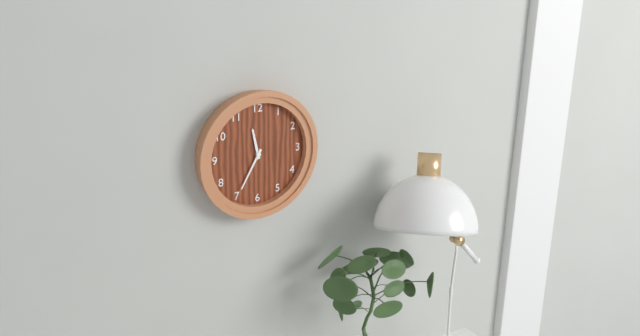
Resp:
h=11 m=35
